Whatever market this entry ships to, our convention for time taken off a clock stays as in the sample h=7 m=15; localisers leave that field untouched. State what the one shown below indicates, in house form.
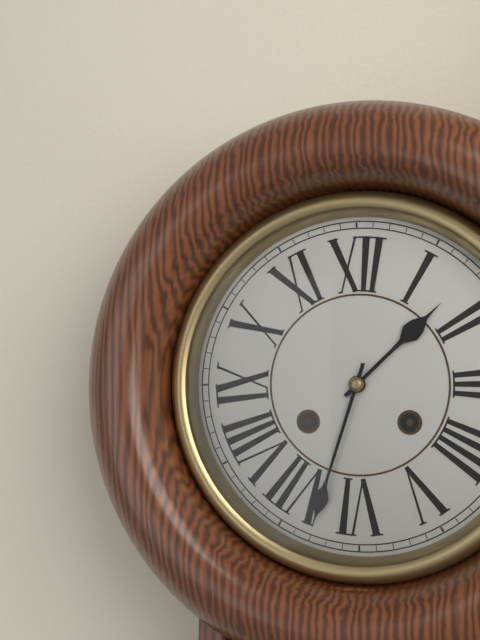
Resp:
h=1 m=33
